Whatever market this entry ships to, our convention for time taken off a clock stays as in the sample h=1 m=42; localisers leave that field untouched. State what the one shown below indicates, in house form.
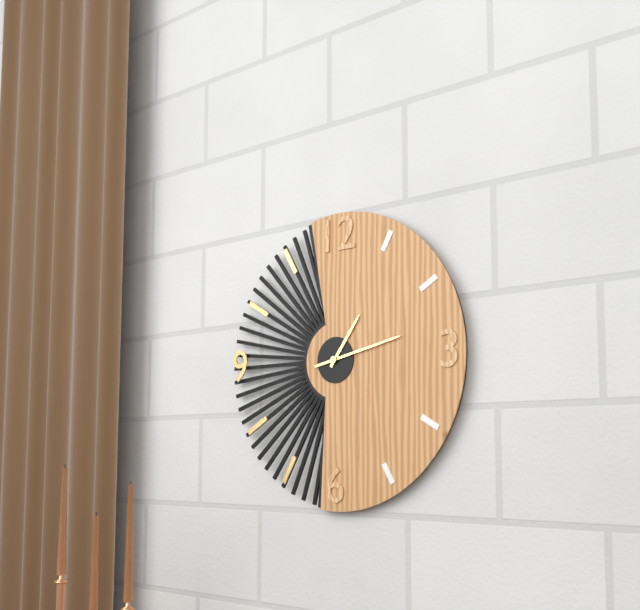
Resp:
h=1 m=13
